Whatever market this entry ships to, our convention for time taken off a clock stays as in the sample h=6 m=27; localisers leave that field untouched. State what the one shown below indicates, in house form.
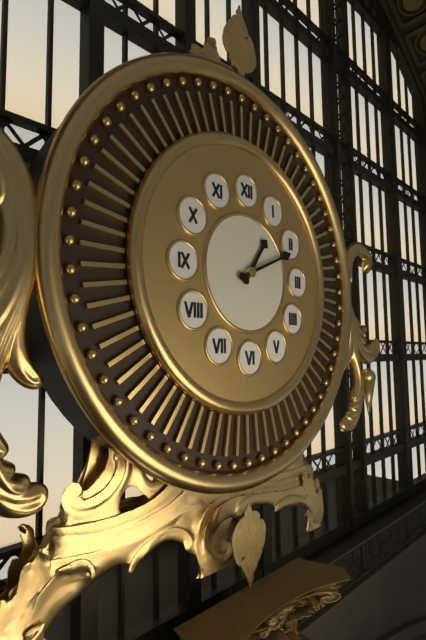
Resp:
h=1 m=11
